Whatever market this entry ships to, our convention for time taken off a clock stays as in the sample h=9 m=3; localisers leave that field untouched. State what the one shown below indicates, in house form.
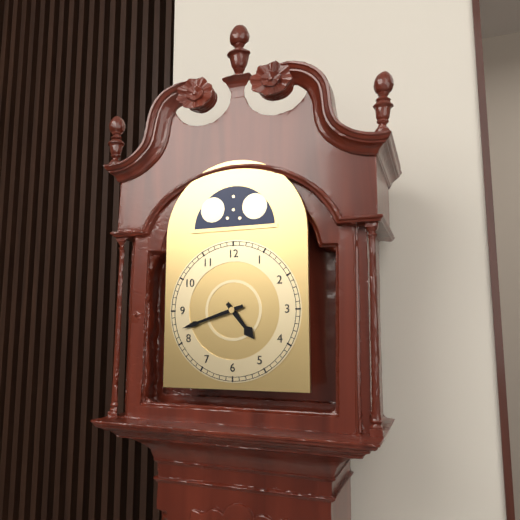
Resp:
h=4 m=42
